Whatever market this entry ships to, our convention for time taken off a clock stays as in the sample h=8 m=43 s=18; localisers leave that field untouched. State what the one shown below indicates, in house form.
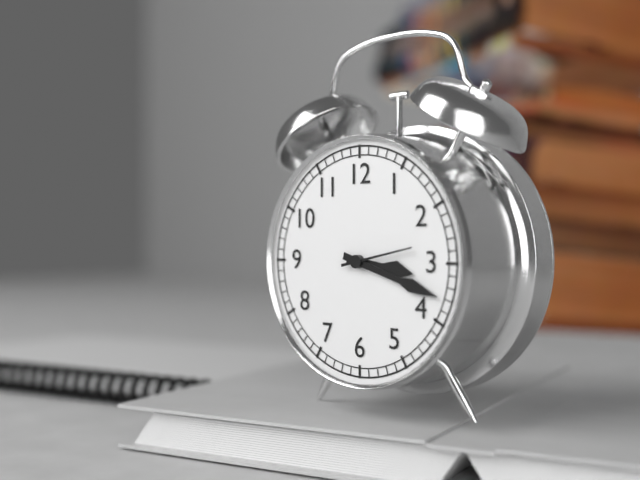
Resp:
h=3 m=18 s=13
